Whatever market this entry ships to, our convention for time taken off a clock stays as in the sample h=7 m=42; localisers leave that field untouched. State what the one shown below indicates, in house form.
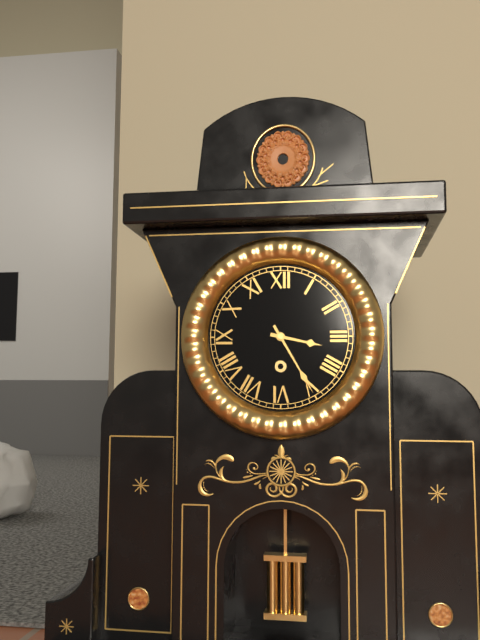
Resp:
h=3 m=25
